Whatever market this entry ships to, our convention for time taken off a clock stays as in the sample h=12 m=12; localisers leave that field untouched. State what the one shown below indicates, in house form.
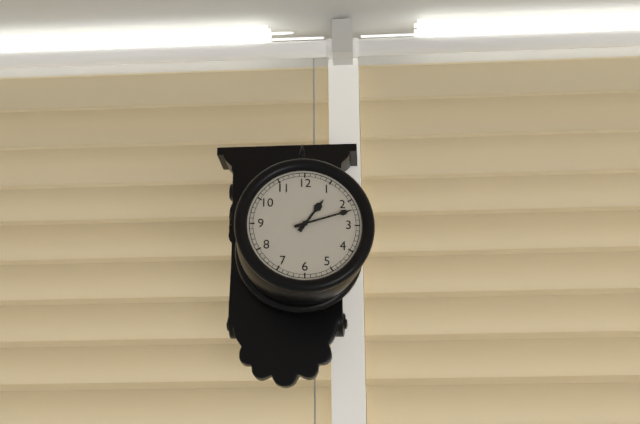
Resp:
h=1 m=12
